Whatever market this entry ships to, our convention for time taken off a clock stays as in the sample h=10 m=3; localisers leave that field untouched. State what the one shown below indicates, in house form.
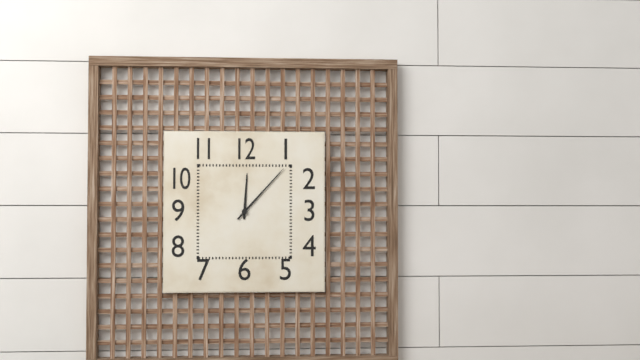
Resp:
h=12 m=7
